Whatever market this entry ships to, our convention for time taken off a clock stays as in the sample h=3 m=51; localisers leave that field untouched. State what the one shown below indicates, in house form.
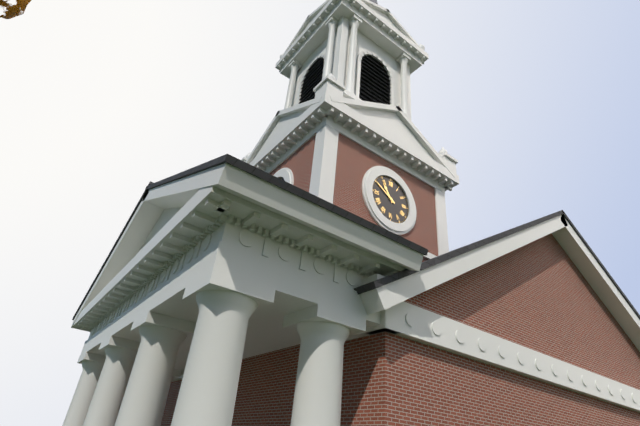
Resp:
h=10 m=50
